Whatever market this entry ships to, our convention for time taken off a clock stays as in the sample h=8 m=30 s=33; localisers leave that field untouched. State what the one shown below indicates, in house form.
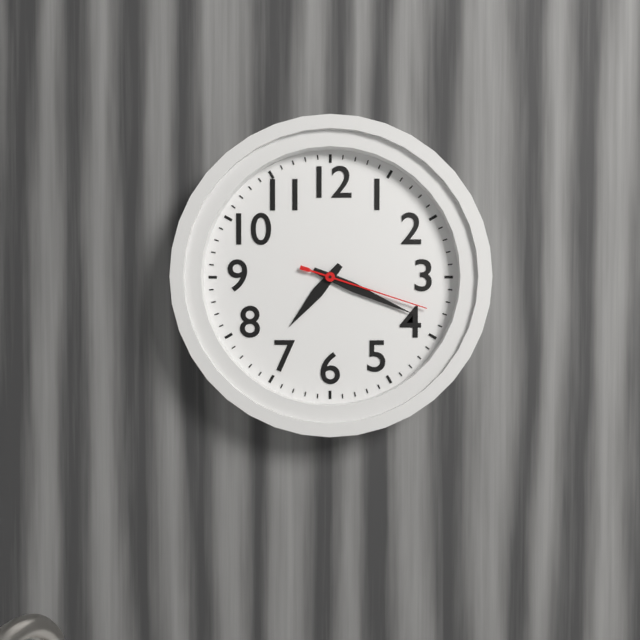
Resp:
h=7 m=19 s=18
